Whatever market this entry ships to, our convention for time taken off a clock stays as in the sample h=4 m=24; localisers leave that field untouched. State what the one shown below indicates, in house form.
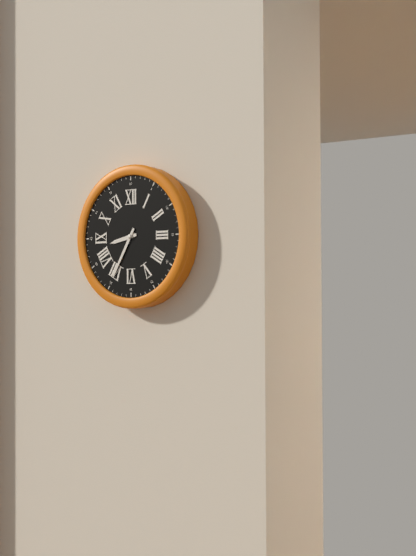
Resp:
h=8 m=35
